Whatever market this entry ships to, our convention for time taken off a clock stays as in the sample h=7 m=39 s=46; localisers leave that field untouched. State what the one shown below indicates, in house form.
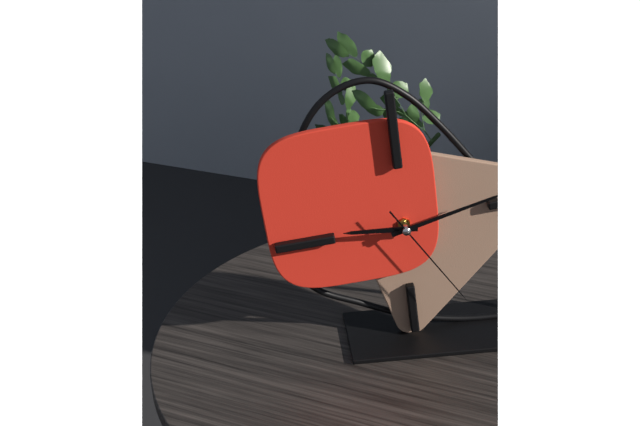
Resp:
h=9 m=13 s=25
